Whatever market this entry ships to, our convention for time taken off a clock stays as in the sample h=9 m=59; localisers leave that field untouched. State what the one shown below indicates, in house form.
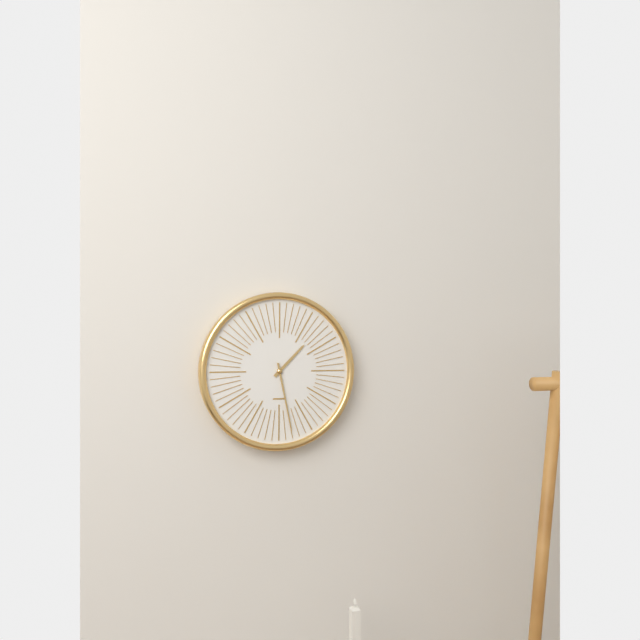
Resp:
h=1 m=28
